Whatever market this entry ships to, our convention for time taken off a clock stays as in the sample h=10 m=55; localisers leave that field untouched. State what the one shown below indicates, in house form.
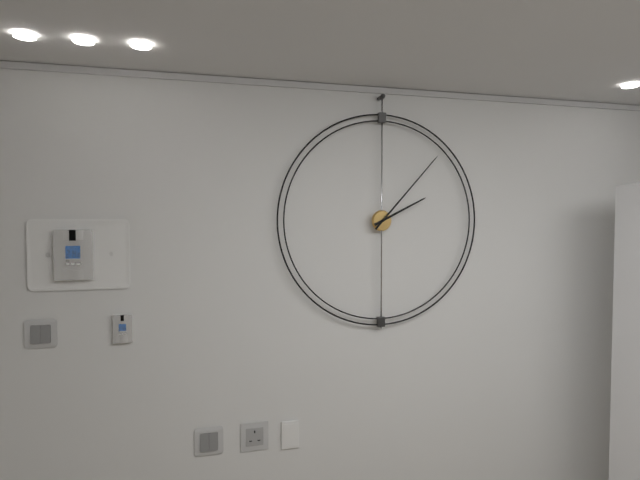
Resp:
h=2 m=7
